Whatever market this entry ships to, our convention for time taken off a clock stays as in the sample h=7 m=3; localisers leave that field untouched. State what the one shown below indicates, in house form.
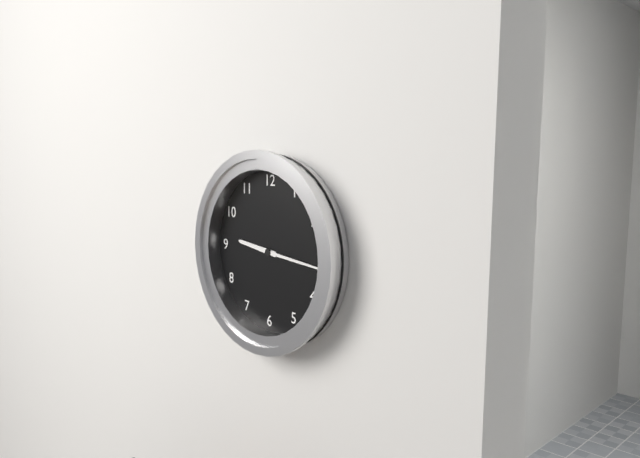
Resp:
h=9 m=16
